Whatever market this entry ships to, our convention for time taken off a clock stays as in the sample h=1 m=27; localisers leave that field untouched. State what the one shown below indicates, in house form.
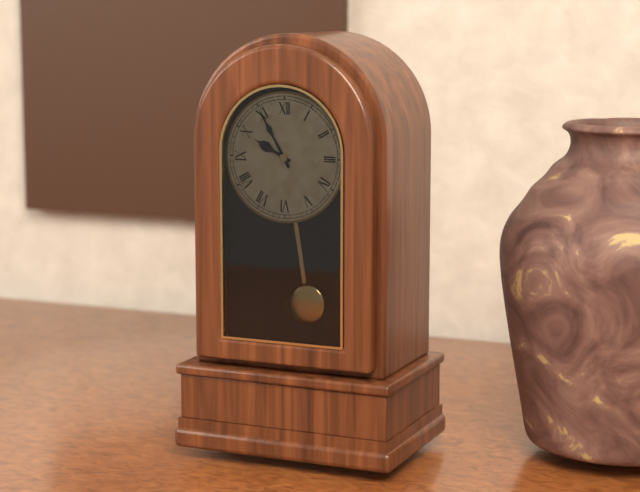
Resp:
h=9 m=55
